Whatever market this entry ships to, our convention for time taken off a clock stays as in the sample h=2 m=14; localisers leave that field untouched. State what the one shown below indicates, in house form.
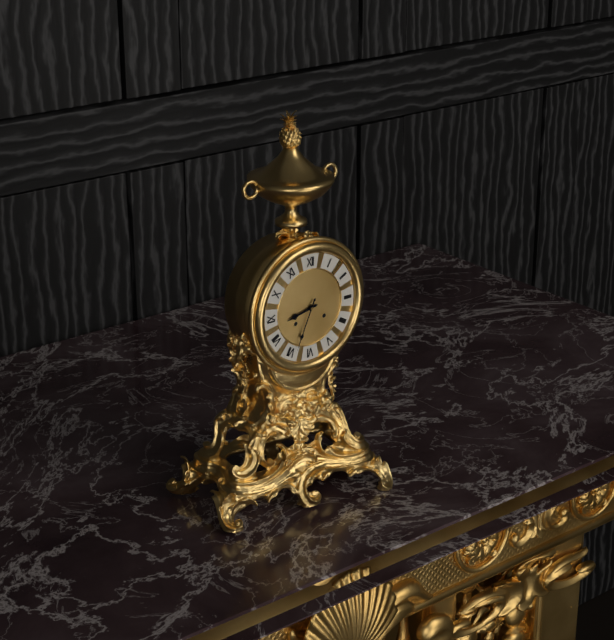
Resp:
h=8 m=34
